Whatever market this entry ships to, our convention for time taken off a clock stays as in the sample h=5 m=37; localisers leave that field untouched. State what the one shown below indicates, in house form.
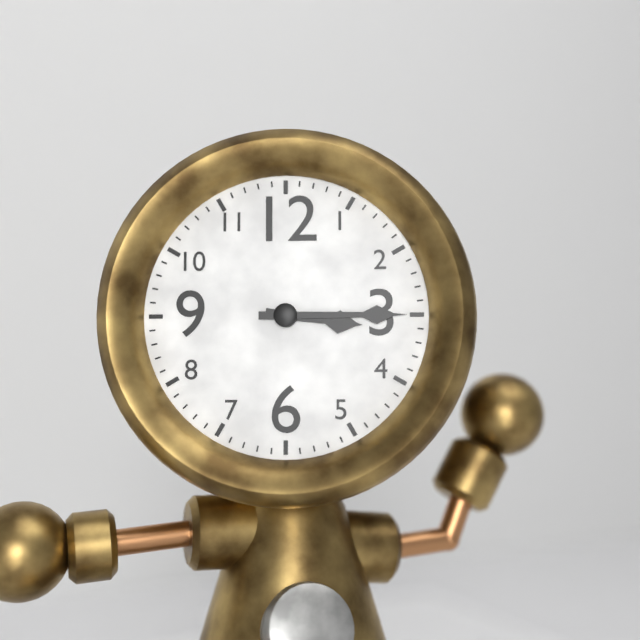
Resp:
h=3 m=15
